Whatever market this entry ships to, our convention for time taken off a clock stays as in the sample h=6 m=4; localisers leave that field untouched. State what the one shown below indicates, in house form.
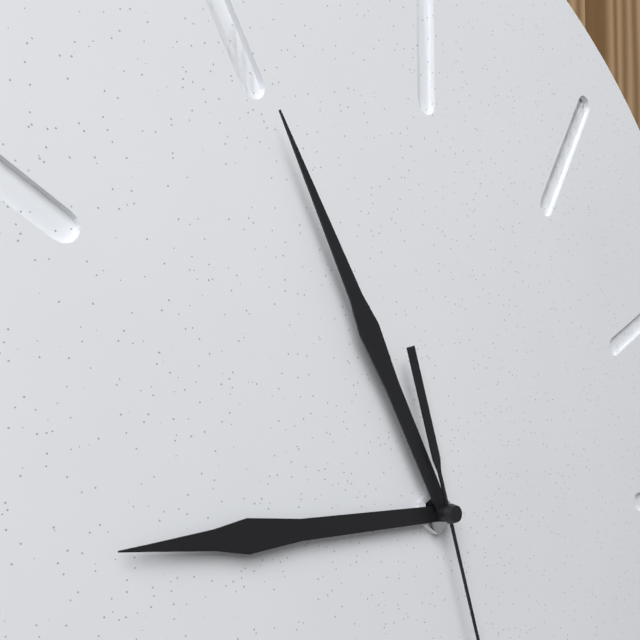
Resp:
h=8 m=55
